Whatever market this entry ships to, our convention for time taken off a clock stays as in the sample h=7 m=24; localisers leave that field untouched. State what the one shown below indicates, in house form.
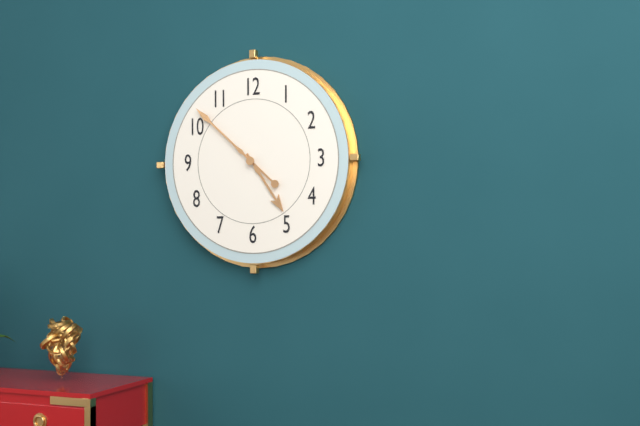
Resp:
h=4 m=52
